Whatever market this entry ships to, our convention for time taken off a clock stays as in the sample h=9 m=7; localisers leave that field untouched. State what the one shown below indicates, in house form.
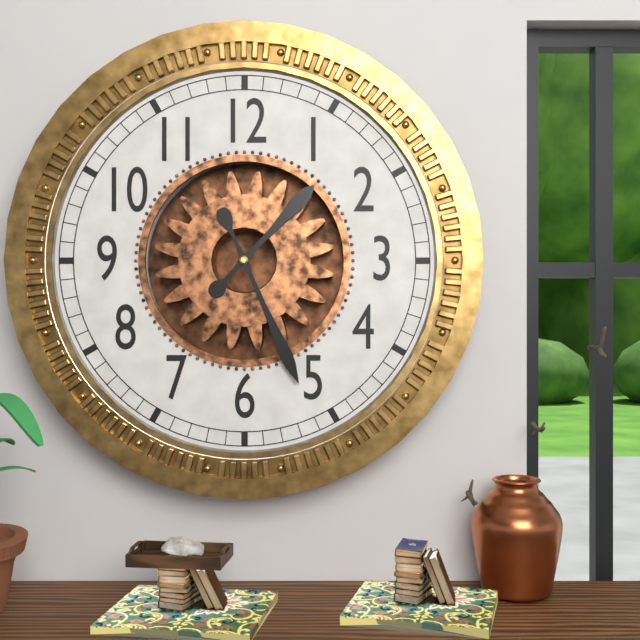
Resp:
h=1 m=26
